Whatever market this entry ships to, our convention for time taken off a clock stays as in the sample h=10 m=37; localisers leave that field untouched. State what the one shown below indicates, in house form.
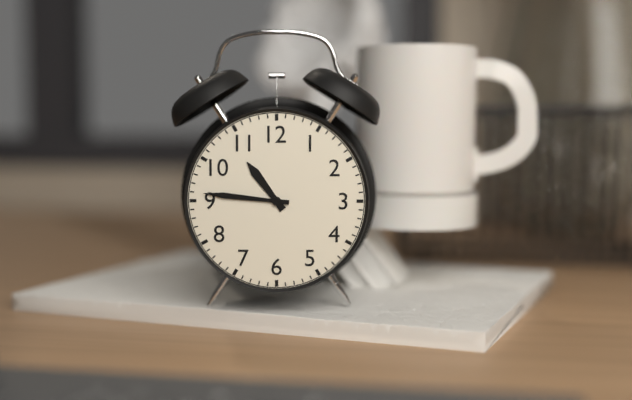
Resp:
h=10 m=46
